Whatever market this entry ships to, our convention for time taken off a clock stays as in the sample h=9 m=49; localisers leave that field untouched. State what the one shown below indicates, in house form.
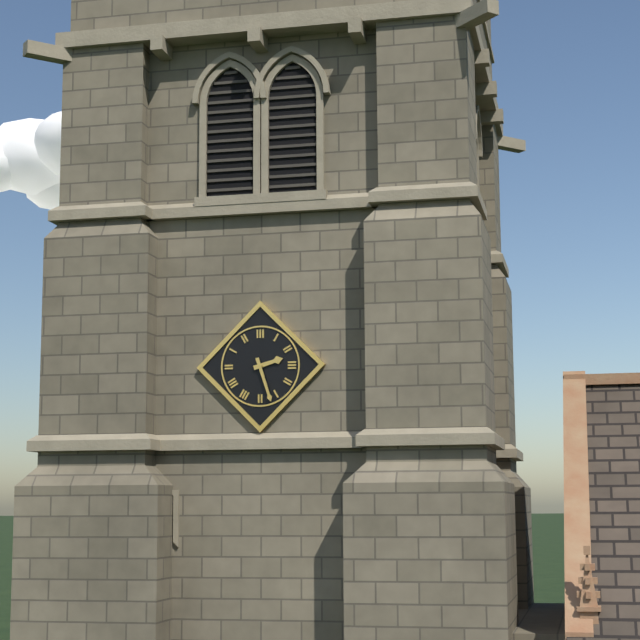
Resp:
h=2 m=27
